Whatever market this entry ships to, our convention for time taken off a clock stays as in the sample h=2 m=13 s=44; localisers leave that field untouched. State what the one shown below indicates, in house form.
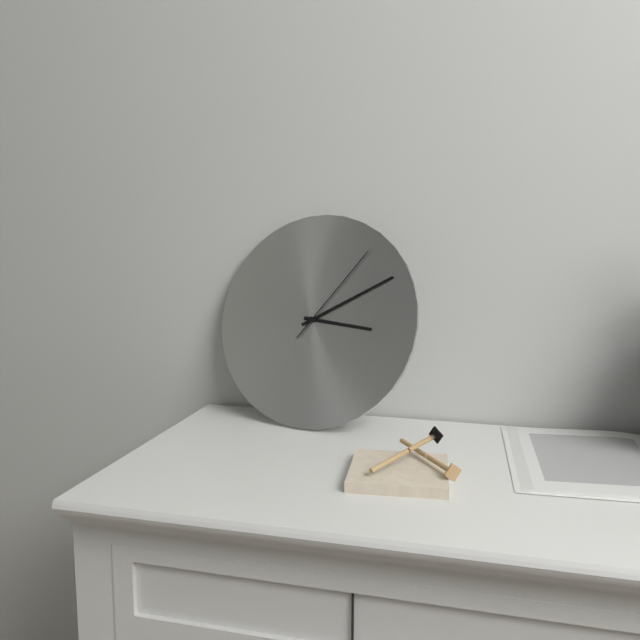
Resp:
h=3 m=10 s=6
